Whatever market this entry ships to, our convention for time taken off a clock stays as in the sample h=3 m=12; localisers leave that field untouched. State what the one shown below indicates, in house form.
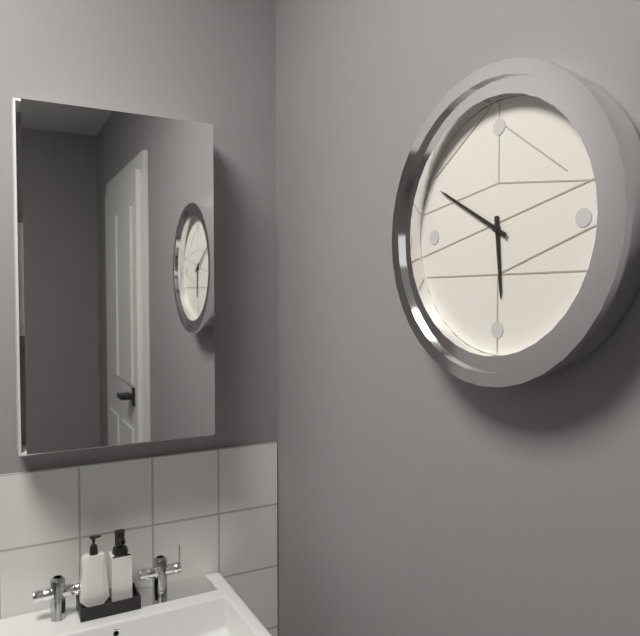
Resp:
h=5 m=50
